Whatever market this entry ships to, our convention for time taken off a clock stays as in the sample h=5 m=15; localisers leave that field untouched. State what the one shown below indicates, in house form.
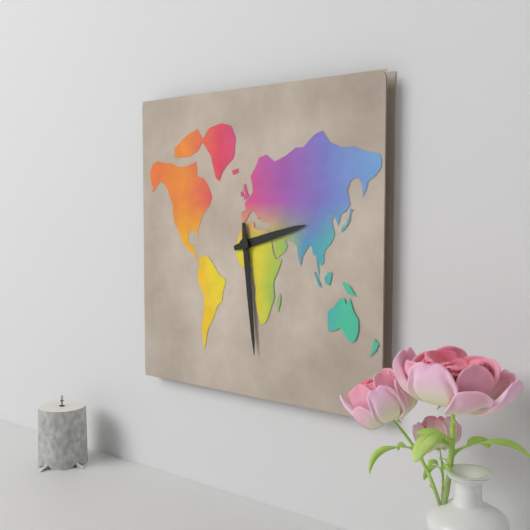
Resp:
h=2 m=29
